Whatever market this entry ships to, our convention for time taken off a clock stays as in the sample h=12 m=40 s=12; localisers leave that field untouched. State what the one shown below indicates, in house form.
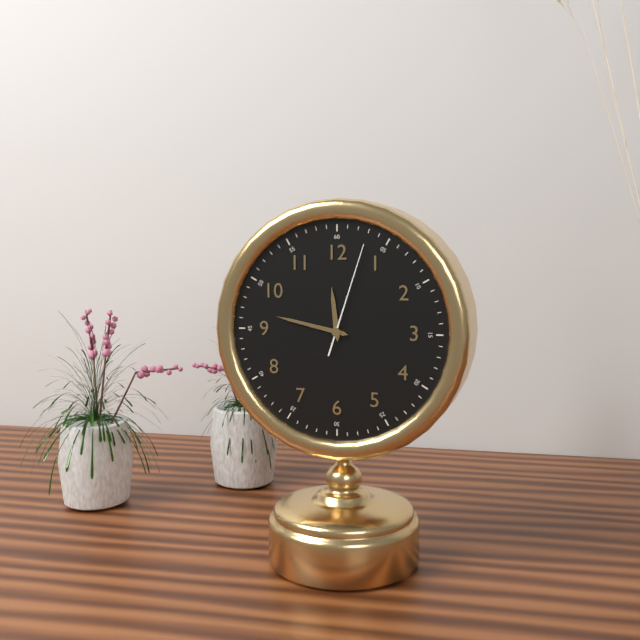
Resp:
h=11 m=47 s=3
